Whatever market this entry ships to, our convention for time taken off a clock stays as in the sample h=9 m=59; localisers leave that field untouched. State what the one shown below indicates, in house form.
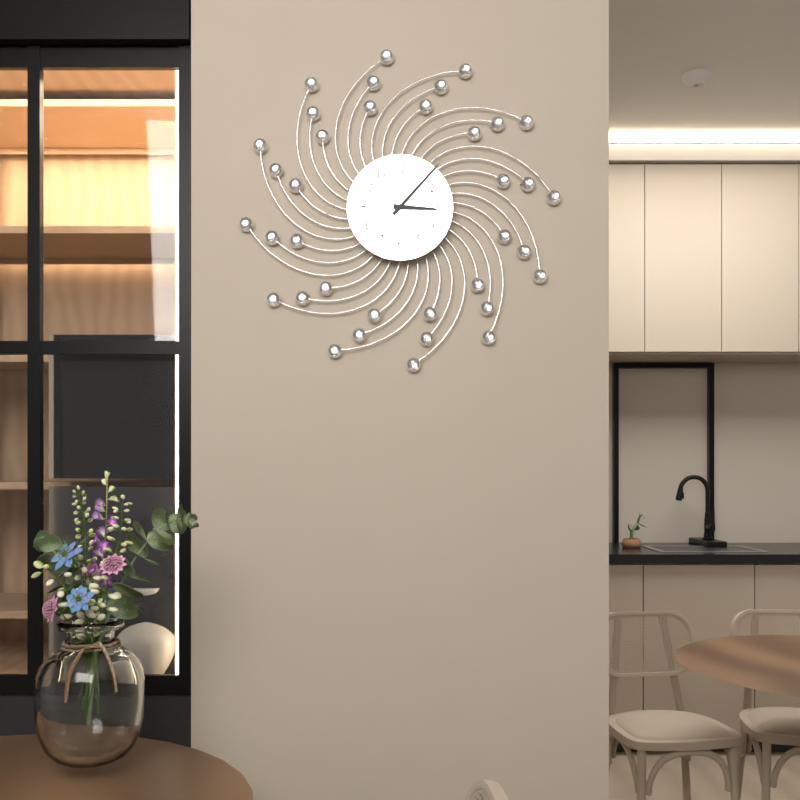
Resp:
h=3 m=7
